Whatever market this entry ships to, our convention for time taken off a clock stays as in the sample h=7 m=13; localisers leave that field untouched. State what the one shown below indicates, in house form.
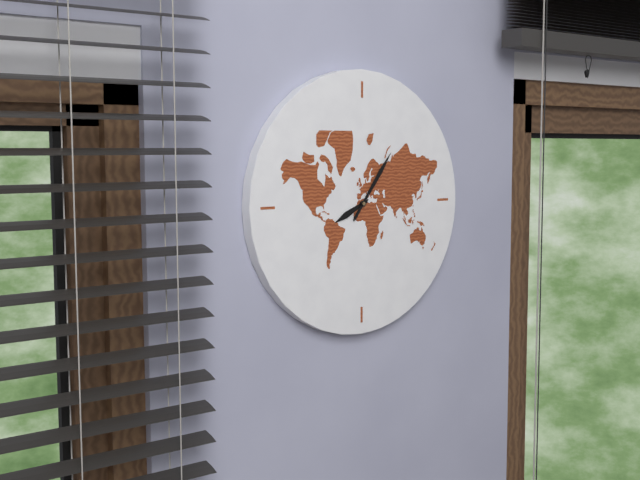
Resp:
h=8 m=6
